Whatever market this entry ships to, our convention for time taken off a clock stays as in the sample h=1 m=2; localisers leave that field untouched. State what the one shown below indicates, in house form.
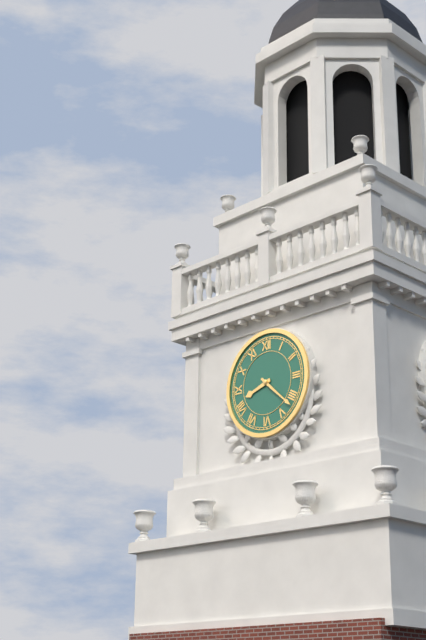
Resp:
h=8 m=22
